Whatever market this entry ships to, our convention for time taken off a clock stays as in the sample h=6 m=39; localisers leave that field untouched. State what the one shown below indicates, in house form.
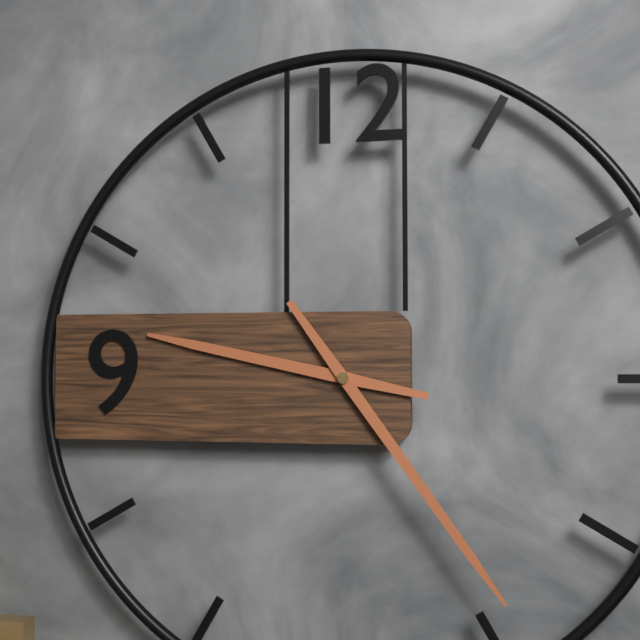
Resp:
h=9 m=24
